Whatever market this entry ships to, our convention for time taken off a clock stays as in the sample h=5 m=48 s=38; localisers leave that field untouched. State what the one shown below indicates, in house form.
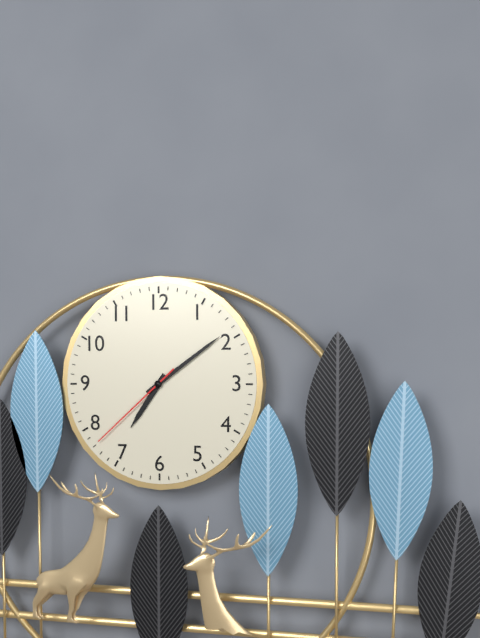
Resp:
h=7 m=9 s=38
